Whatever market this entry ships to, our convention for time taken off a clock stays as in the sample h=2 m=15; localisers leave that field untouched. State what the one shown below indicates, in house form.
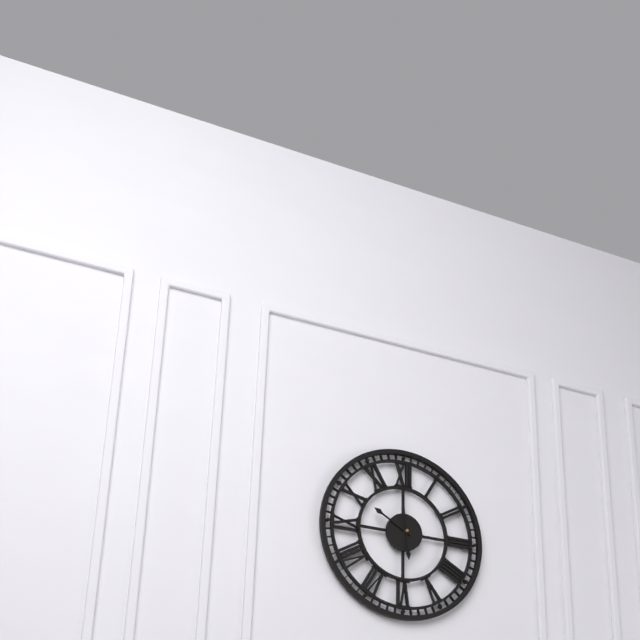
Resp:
h=9 m=59
